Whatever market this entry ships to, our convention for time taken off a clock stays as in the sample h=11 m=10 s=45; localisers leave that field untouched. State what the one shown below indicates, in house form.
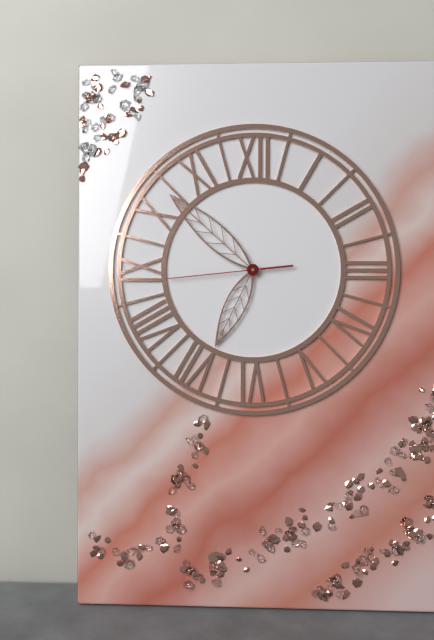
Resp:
h=6 m=52 s=44
